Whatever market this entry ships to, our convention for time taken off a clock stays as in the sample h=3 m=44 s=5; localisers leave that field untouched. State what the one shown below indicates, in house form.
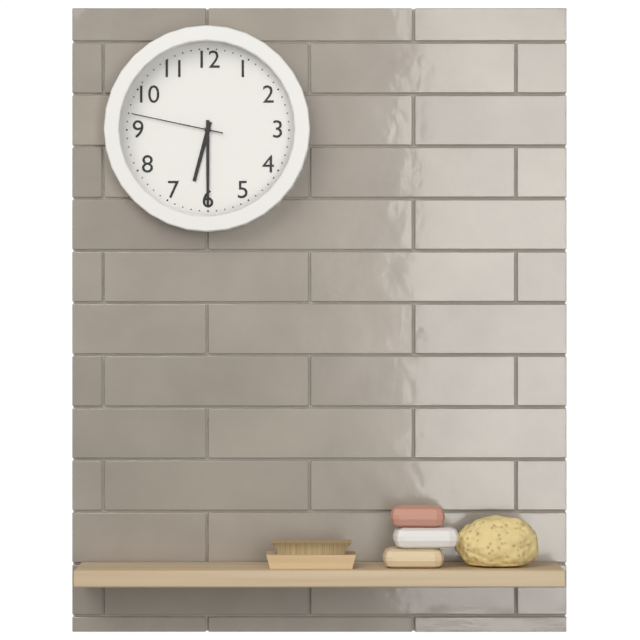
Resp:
h=6 m=30 s=47
